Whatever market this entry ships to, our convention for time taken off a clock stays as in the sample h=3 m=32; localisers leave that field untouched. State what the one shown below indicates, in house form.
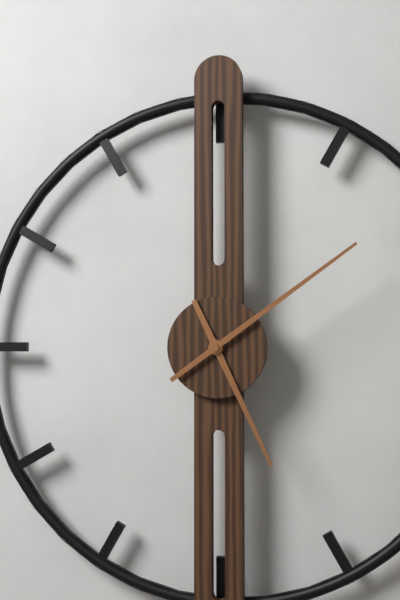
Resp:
h=5 m=9
